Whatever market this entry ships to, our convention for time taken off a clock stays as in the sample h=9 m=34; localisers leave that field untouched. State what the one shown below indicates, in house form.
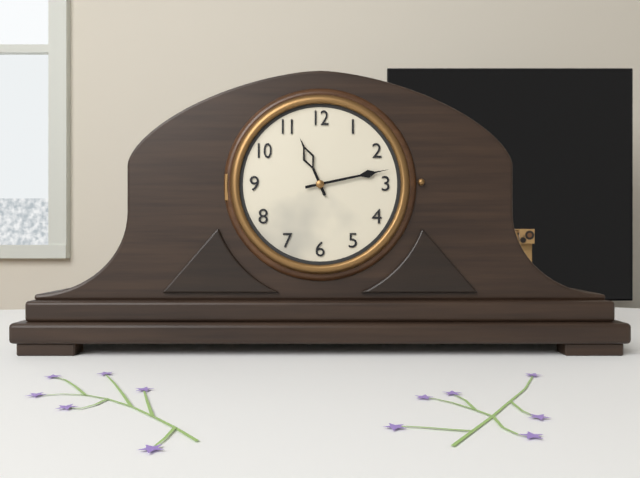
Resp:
h=11 m=13
